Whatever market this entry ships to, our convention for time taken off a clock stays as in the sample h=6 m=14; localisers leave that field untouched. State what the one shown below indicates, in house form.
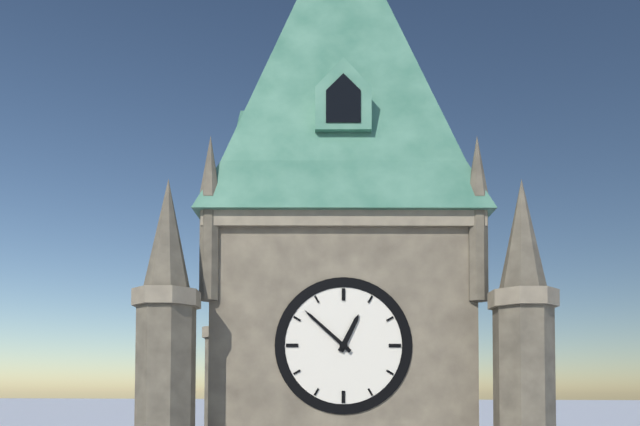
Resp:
h=12 m=52
